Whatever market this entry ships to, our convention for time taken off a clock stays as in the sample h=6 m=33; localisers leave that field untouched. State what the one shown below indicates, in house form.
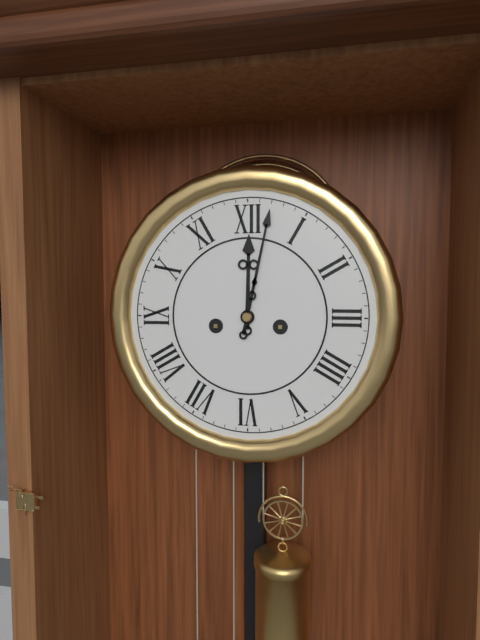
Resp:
h=12 m=2
